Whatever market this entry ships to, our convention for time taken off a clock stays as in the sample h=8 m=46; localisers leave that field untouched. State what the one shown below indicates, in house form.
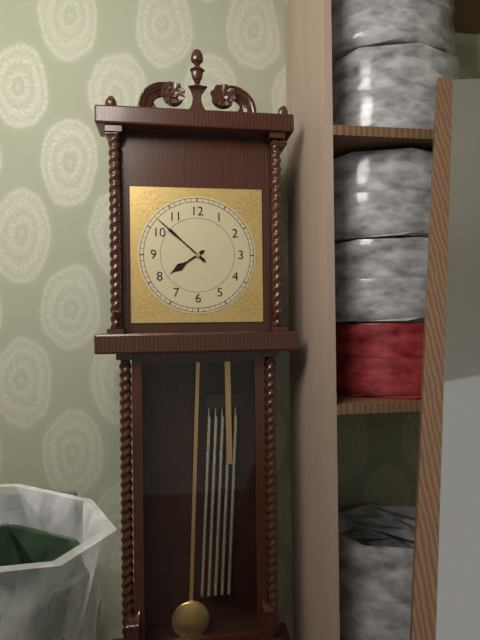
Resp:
h=7 m=52
